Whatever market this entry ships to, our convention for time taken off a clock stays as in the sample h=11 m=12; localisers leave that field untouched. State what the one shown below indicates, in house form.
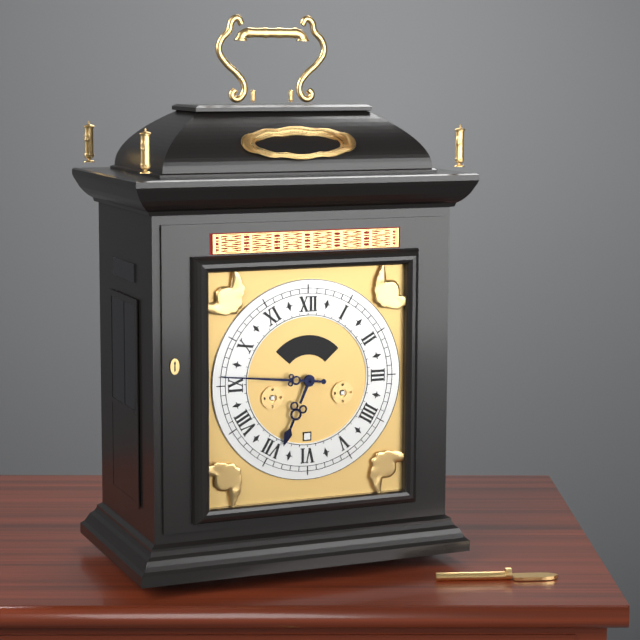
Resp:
h=6 m=46
